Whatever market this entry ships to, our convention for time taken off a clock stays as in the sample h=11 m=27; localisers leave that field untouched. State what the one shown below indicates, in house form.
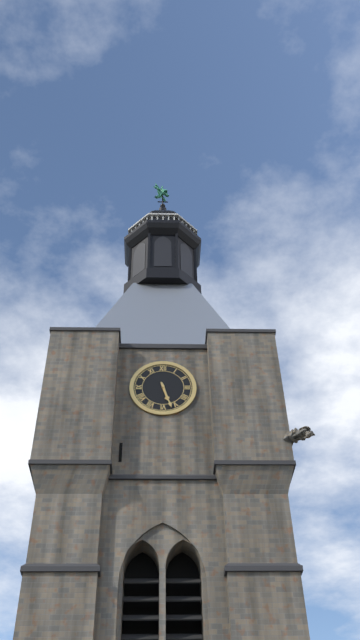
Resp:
h=5 m=27
